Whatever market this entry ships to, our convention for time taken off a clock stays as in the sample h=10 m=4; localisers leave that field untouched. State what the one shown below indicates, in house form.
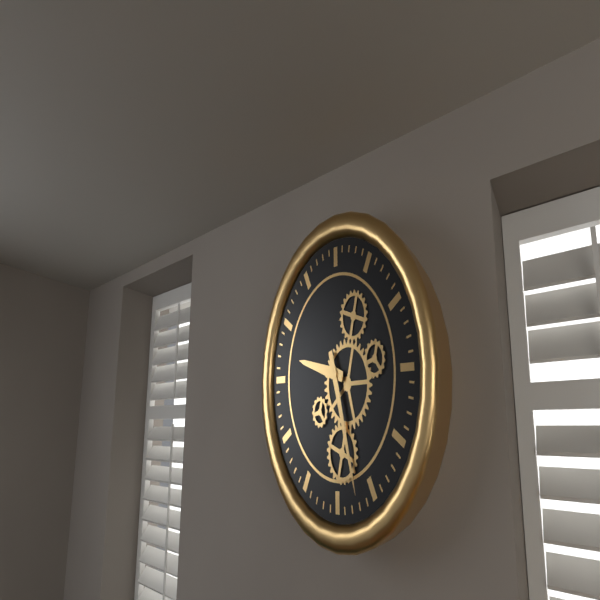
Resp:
h=9 m=27
